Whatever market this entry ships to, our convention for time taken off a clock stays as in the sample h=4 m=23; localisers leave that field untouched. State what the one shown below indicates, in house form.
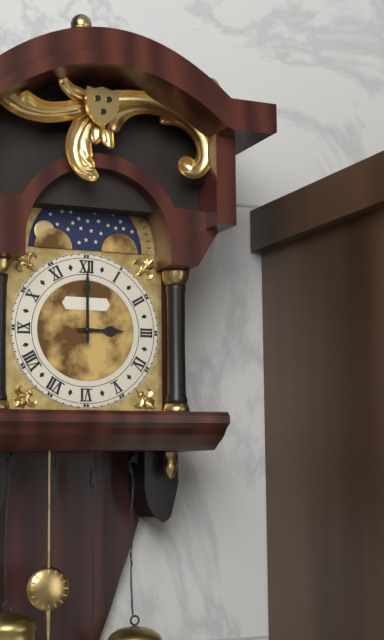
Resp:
h=3 m=0
